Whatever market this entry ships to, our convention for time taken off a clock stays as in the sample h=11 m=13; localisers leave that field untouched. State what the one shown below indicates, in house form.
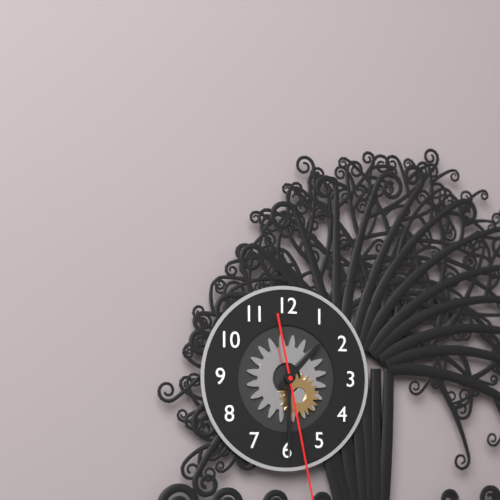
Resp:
h=1 m=30
